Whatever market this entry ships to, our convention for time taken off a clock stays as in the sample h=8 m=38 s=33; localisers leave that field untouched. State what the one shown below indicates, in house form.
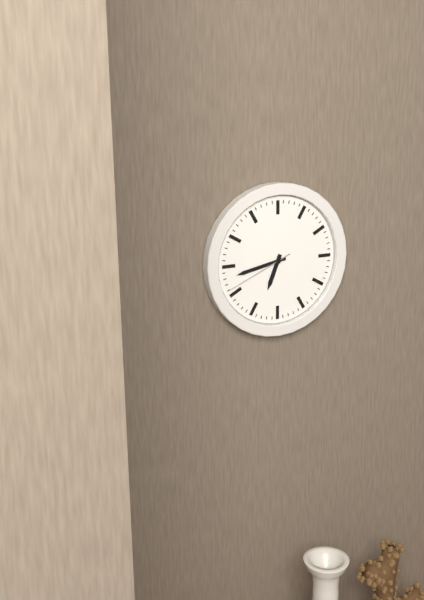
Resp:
h=6 m=43 s=41
